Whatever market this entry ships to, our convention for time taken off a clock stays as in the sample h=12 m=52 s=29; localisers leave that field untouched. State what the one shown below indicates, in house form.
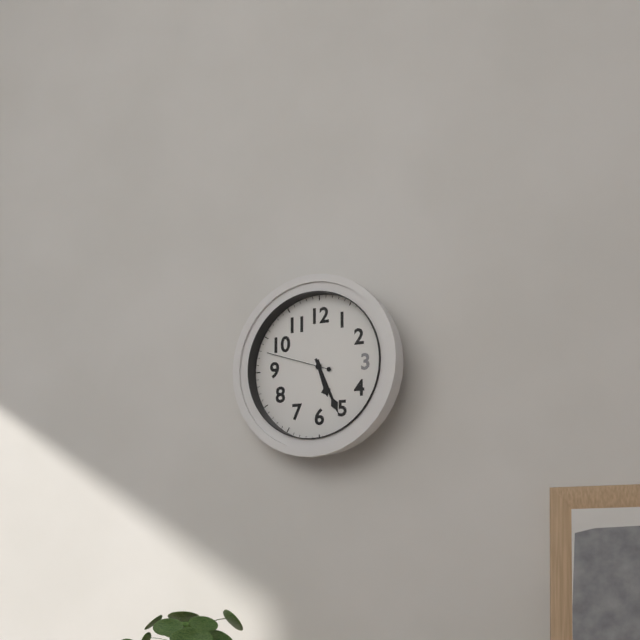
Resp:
h=5 m=26 s=48
